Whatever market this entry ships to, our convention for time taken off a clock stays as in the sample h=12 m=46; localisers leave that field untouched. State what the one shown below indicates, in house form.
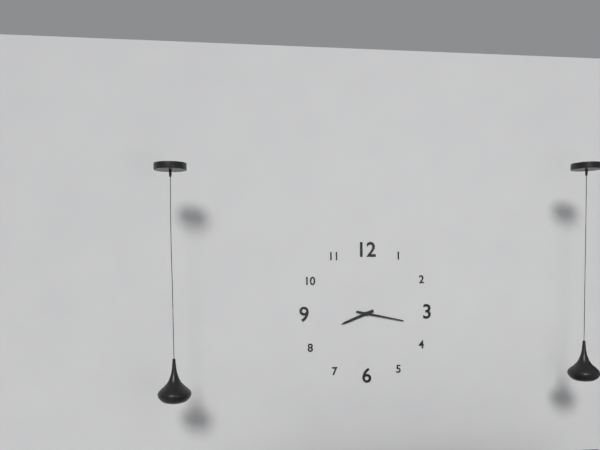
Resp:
h=8 m=17
